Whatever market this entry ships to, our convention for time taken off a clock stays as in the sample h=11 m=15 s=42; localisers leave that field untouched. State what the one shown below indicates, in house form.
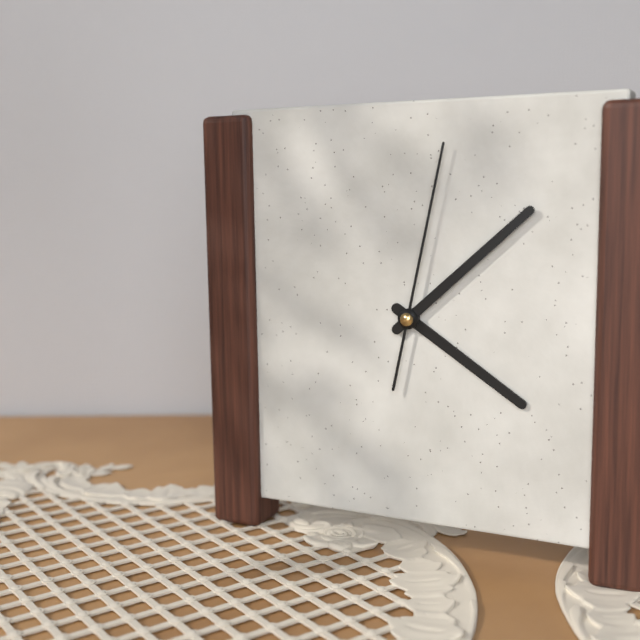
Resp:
h=4 m=8 s=2
